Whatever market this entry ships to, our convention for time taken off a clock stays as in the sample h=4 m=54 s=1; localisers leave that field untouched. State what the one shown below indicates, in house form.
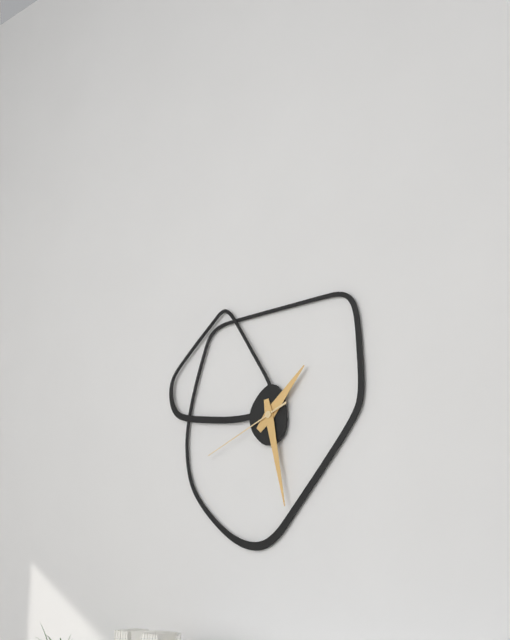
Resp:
h=1 m=28 s=41
